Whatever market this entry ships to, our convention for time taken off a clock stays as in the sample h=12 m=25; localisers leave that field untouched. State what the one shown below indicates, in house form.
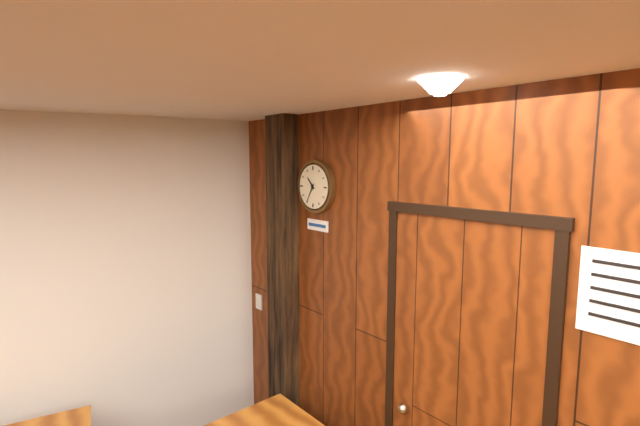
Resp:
h=10 m=35
